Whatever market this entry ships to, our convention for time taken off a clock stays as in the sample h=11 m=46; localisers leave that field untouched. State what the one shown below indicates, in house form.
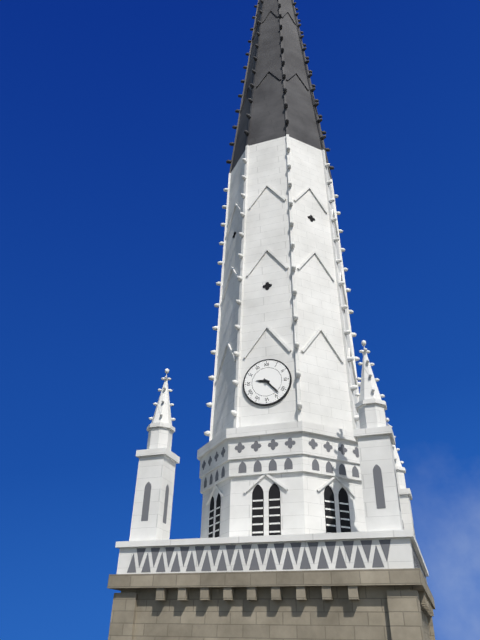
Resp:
h=9 m=23
